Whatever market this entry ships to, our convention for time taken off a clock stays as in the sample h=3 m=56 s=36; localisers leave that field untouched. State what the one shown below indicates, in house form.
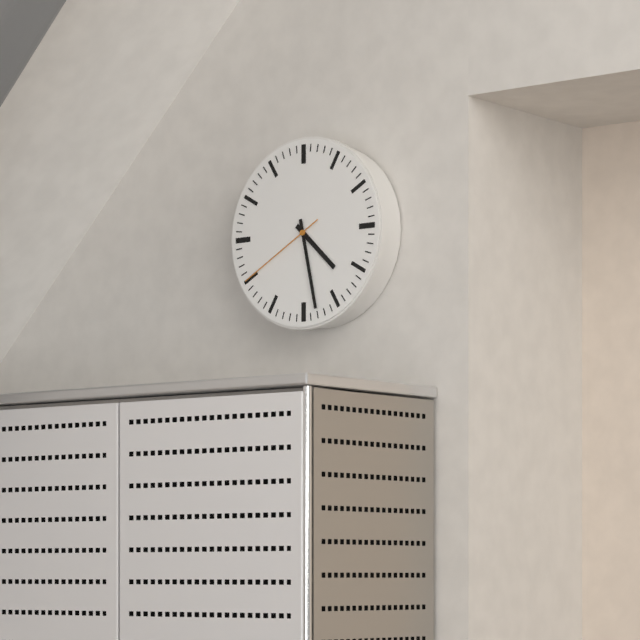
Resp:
h=4 m=28 s=40
